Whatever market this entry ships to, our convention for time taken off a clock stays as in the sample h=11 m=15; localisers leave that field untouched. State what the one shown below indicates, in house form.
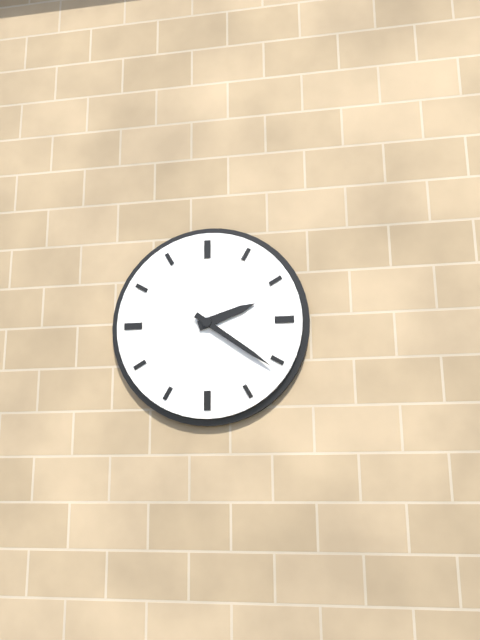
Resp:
h=2 m=21
